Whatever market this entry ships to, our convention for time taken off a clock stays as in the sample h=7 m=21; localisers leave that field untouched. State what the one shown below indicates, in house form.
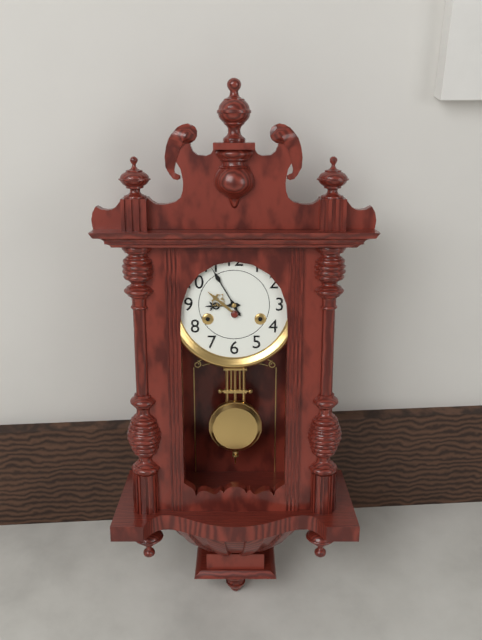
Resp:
h=8 m=55
